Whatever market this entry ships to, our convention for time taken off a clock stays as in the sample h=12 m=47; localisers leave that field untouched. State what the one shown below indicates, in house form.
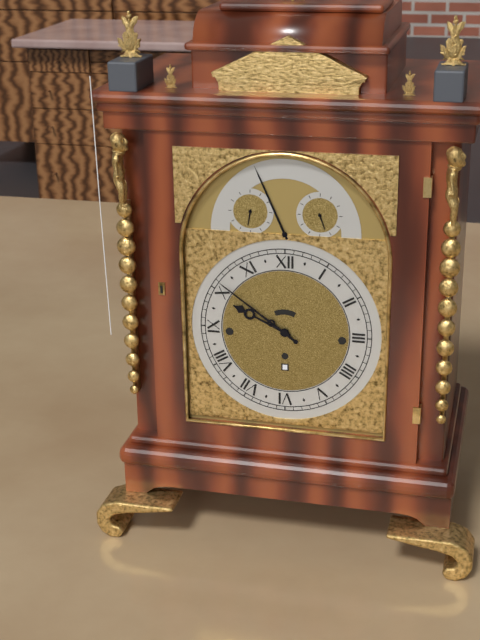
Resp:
h=9 m=51
